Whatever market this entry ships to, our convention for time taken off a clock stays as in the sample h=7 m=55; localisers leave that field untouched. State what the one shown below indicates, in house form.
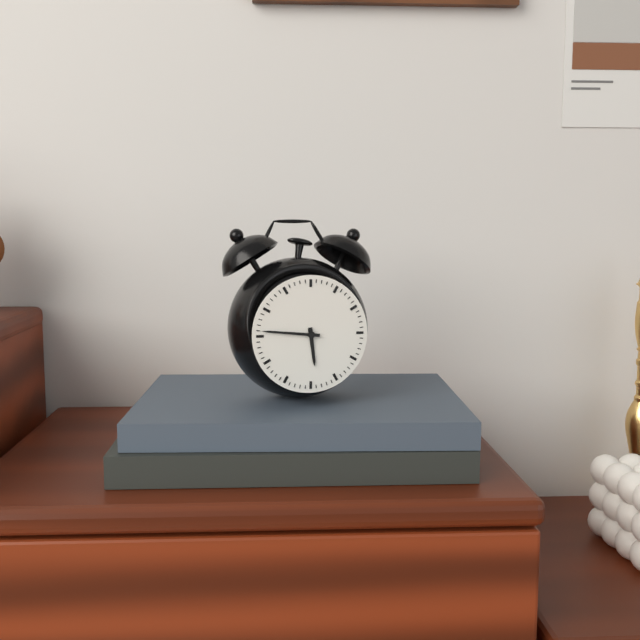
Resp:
h=5 m=46
